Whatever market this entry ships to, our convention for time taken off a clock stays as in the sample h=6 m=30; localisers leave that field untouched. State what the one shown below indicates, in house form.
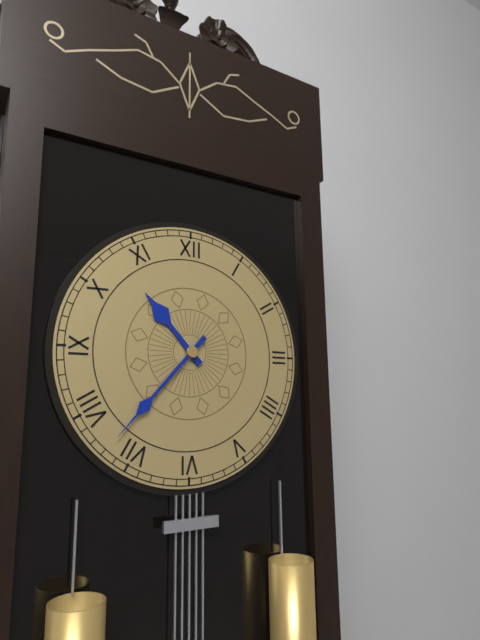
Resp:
h=10 m=37
